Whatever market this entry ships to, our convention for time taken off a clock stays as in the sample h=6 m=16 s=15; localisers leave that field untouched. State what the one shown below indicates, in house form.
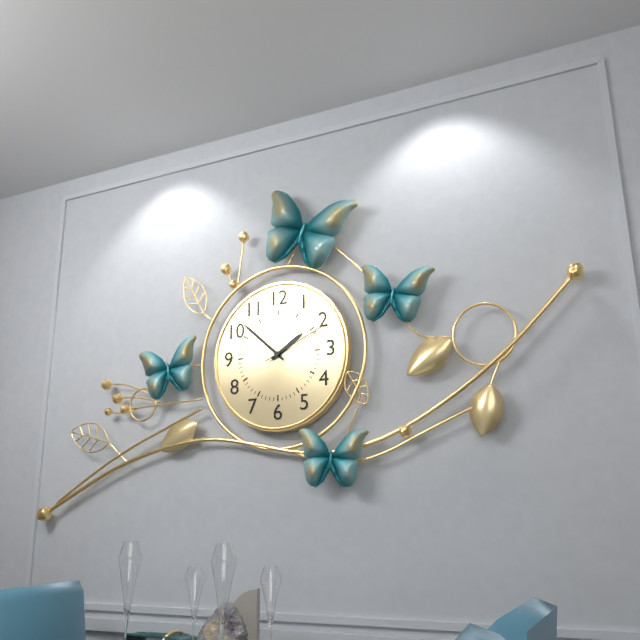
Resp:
h=1 m=52 s=11
